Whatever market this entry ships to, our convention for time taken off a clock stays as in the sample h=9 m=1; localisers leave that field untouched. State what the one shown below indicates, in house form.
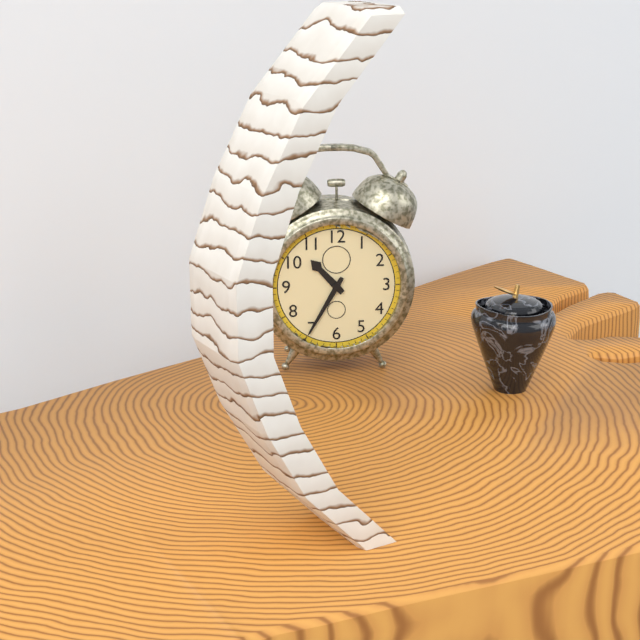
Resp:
h=10 m=35
